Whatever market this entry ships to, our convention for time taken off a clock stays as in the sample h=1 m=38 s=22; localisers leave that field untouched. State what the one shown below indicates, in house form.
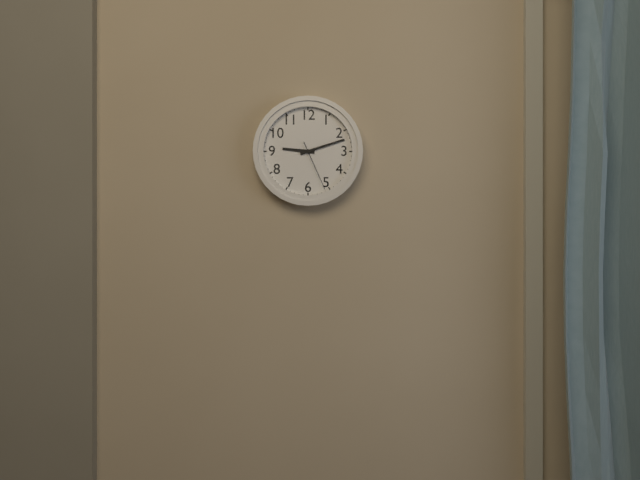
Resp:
h=9 m=12 s=26
